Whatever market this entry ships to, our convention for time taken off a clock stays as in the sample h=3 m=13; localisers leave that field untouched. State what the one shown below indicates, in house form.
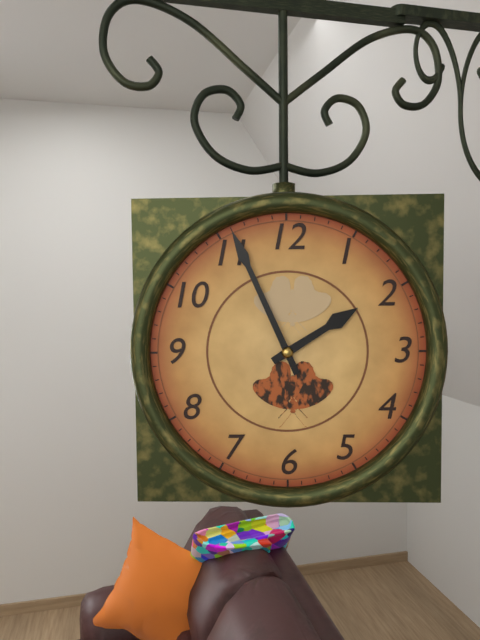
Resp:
h=1 m=56
